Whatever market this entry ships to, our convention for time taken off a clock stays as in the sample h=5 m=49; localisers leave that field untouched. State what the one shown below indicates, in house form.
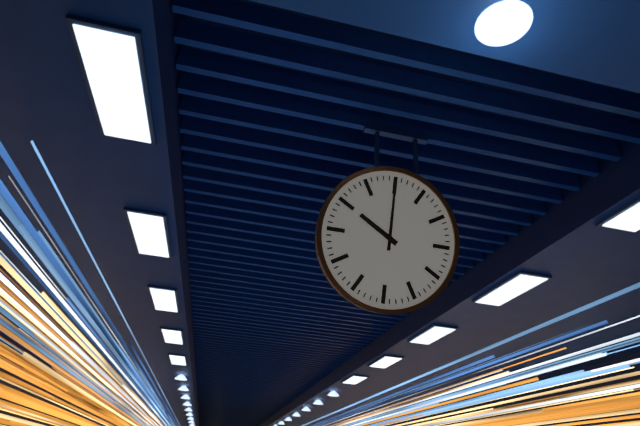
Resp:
h=10 m=0
